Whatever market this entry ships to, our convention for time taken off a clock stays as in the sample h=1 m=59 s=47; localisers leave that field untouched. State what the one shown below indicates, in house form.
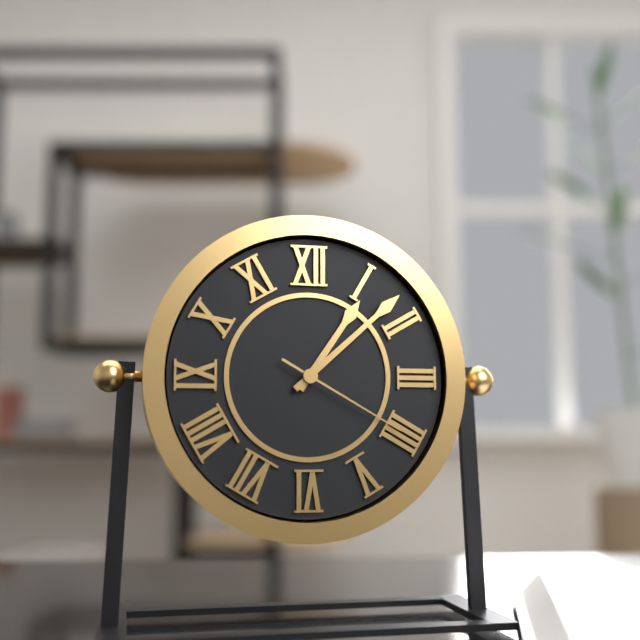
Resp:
h=1 m=8 s=20
